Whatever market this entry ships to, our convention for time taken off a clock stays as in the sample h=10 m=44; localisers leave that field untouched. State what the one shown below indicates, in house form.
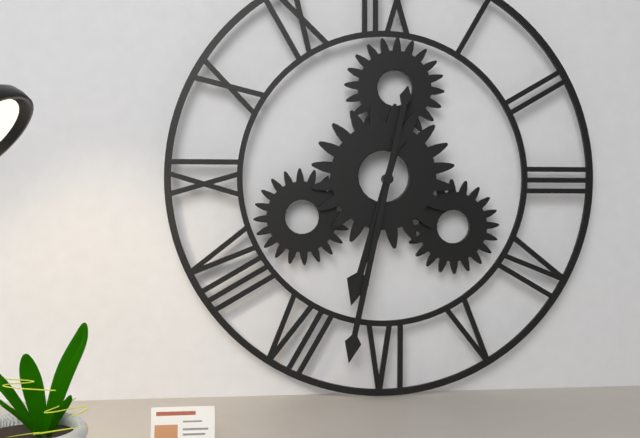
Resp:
h=6 m=32
